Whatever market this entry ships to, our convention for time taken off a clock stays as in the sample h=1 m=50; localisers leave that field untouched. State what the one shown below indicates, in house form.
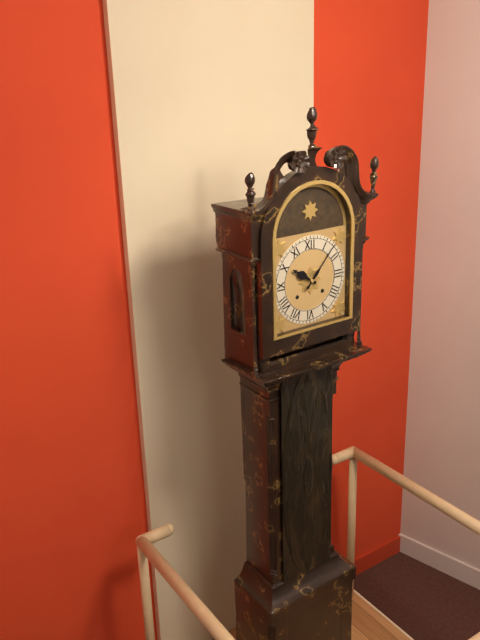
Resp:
h=10 m=7
